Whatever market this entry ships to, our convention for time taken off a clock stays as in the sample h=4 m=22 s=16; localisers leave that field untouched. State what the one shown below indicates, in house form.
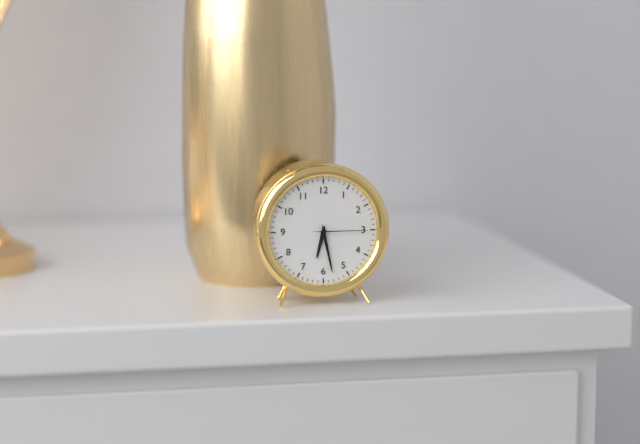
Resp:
h=6 m=28 s=15
